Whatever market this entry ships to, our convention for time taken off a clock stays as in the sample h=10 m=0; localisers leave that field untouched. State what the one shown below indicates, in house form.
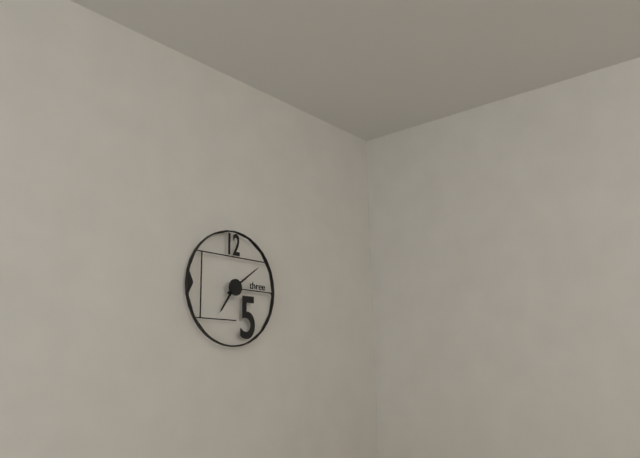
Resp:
h=7 m=9
